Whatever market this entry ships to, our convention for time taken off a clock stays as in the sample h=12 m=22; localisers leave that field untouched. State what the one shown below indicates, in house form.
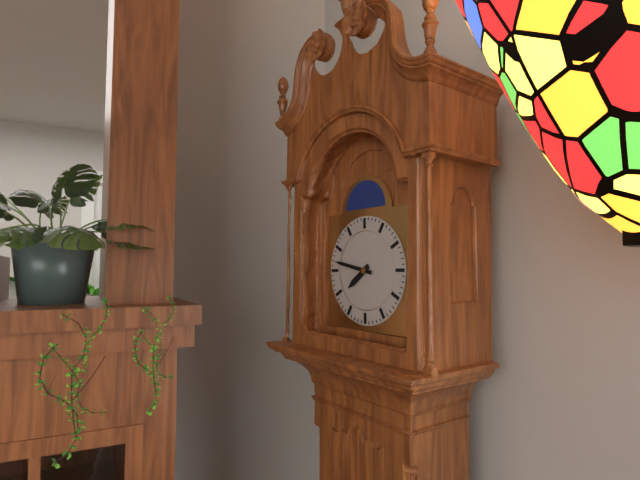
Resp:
h=7 m=47
